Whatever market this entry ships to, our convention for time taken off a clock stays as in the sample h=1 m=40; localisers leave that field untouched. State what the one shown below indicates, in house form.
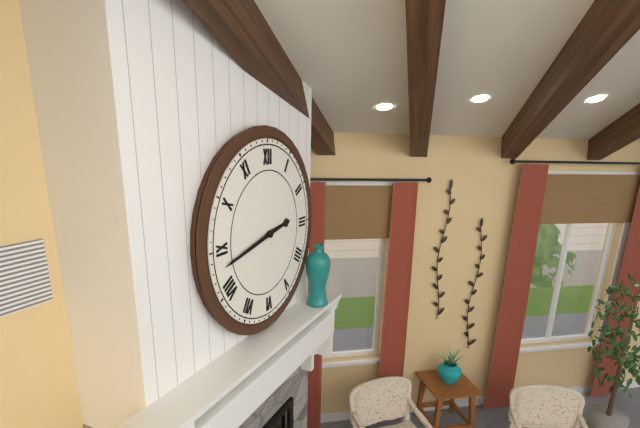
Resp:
h=2 m=43
